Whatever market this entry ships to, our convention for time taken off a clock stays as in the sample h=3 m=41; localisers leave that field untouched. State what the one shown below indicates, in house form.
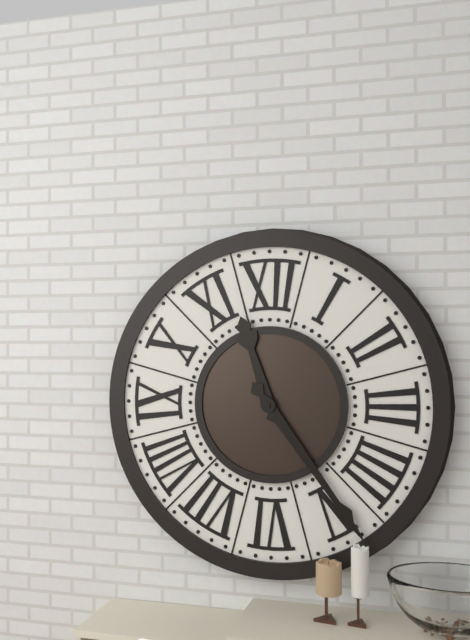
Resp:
h=11 m=24
